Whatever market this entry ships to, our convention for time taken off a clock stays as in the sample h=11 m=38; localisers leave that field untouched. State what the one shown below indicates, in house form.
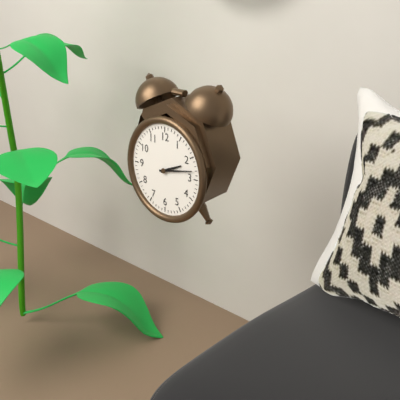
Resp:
h=2 m=13
